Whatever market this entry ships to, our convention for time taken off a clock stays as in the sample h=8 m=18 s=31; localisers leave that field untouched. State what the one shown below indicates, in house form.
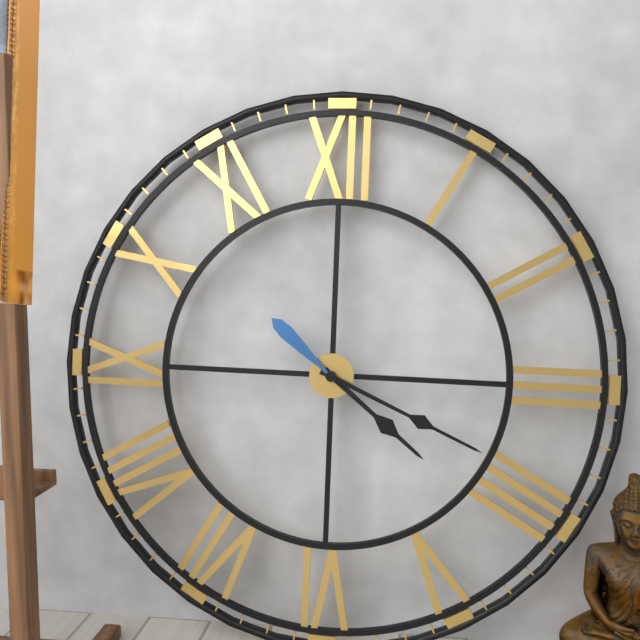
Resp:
h=4 m=19 s=52
